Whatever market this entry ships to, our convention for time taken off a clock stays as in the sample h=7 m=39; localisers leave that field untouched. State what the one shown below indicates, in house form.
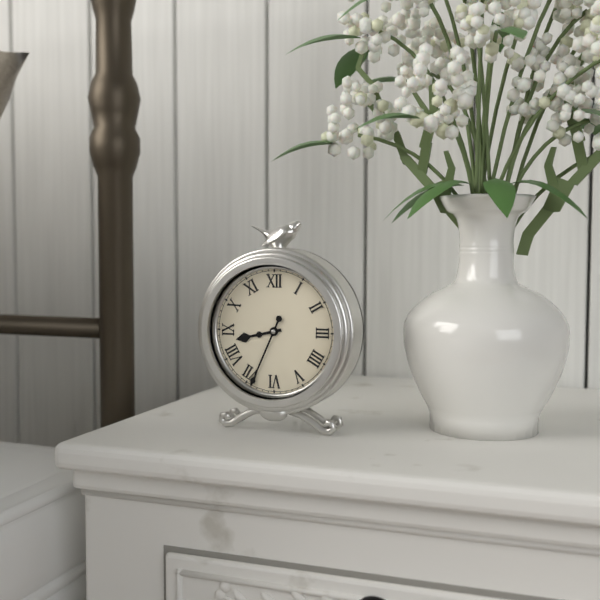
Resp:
h=8 m=34
